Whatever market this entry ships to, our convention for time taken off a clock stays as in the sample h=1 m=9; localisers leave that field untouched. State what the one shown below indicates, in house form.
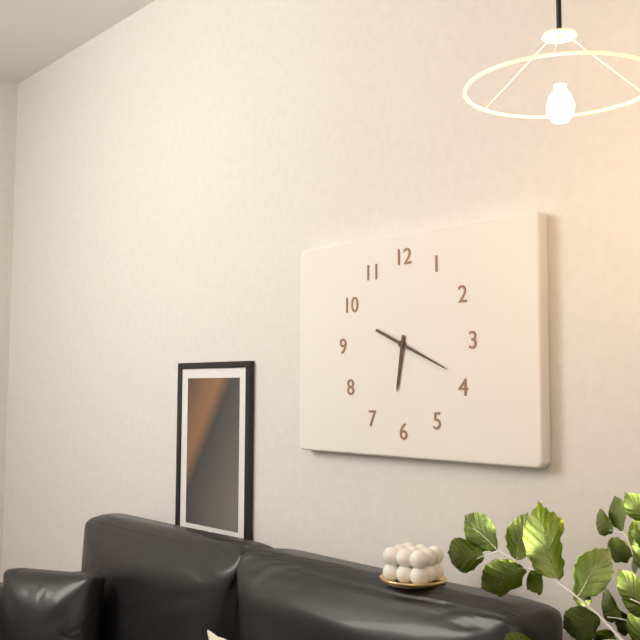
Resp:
h=6 m=19
